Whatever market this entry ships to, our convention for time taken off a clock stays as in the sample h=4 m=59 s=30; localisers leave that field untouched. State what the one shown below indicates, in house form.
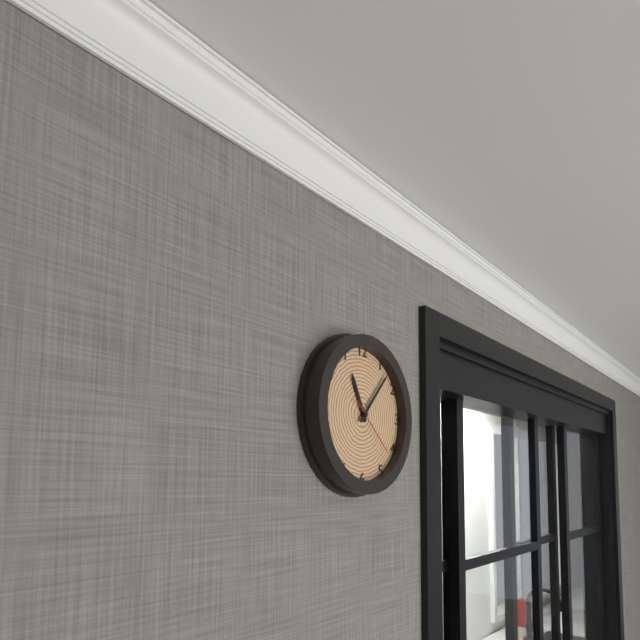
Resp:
h=11 m=7 s=22
